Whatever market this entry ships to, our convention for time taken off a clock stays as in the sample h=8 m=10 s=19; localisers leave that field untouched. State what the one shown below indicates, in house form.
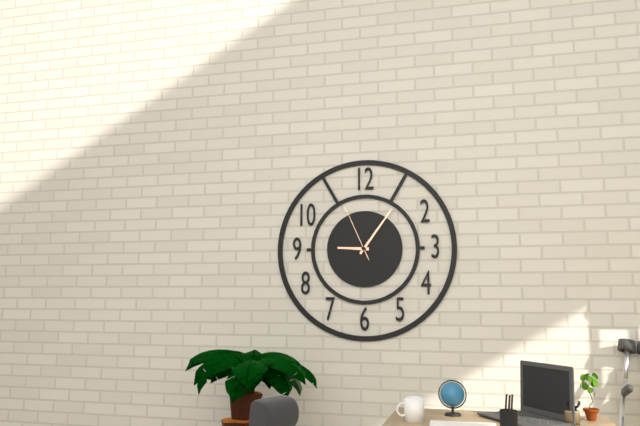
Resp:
h=9 m=6 s=56
